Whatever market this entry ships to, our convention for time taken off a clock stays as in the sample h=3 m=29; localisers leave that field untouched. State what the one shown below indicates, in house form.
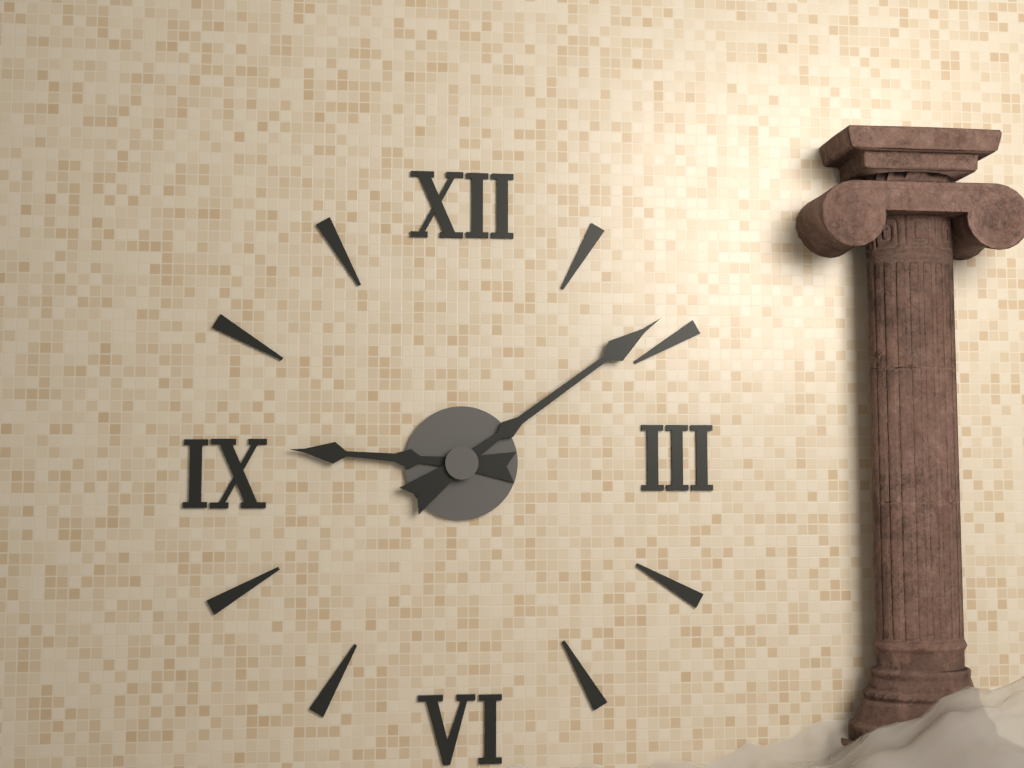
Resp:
h=9 m=9
